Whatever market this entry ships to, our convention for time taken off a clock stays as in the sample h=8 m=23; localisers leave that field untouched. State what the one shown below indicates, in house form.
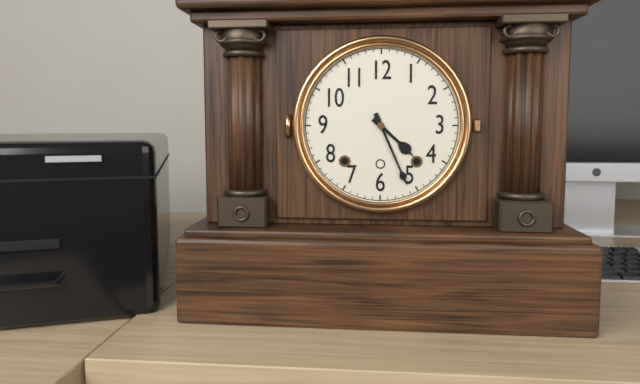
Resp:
h=4 m=26
